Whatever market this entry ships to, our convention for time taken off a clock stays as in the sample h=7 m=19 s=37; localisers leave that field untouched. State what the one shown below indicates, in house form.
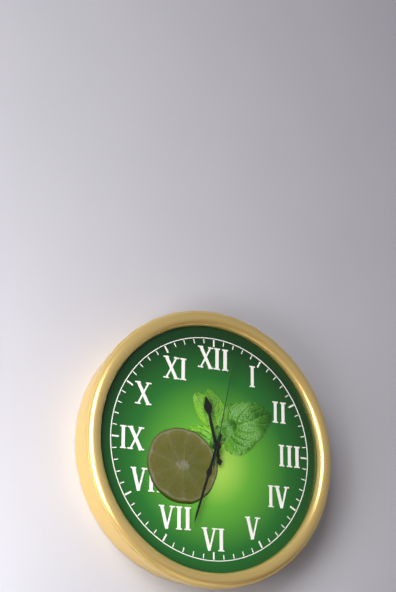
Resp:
h=11 m=33 s=2
